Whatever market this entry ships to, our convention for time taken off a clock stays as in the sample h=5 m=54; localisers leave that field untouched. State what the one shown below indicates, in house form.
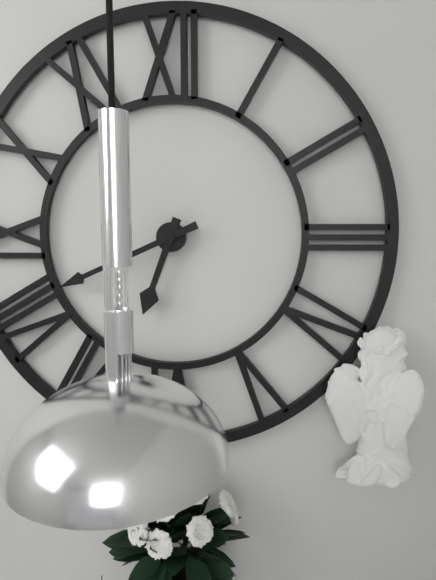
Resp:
h=6 m=41
